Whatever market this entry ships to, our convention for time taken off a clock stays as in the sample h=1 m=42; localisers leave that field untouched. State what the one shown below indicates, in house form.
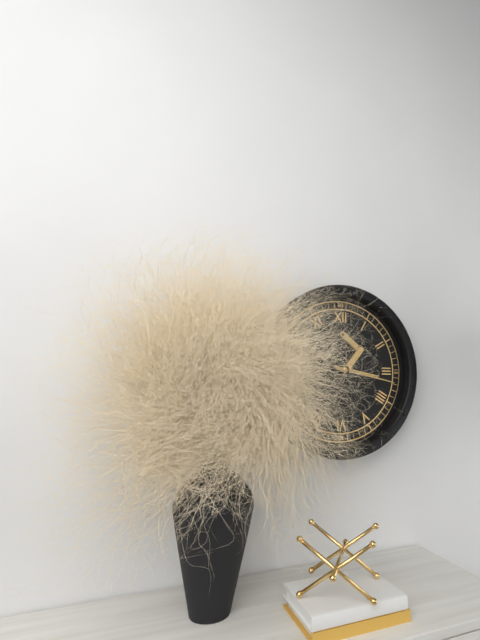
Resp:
h=3 m=17
